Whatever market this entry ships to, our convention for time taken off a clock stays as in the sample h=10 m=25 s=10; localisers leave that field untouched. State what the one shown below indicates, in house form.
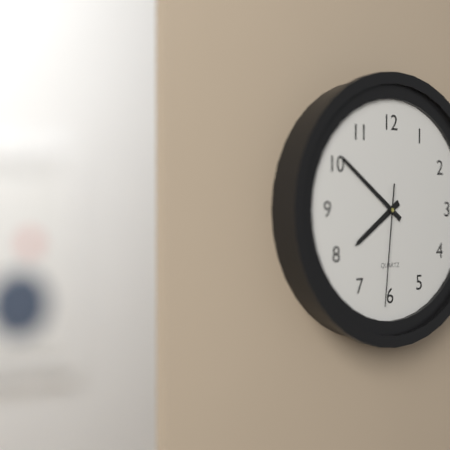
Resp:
h=7 m=51 s=31
